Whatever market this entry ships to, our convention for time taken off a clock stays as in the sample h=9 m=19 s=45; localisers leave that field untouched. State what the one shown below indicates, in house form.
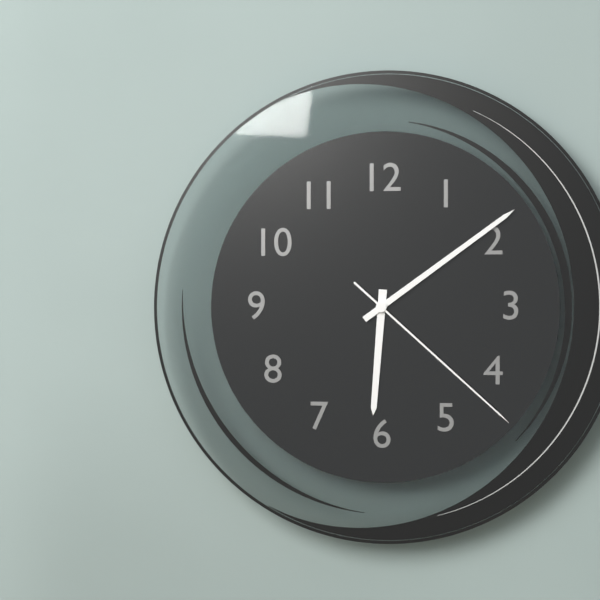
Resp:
h=6 m=9 s=22
